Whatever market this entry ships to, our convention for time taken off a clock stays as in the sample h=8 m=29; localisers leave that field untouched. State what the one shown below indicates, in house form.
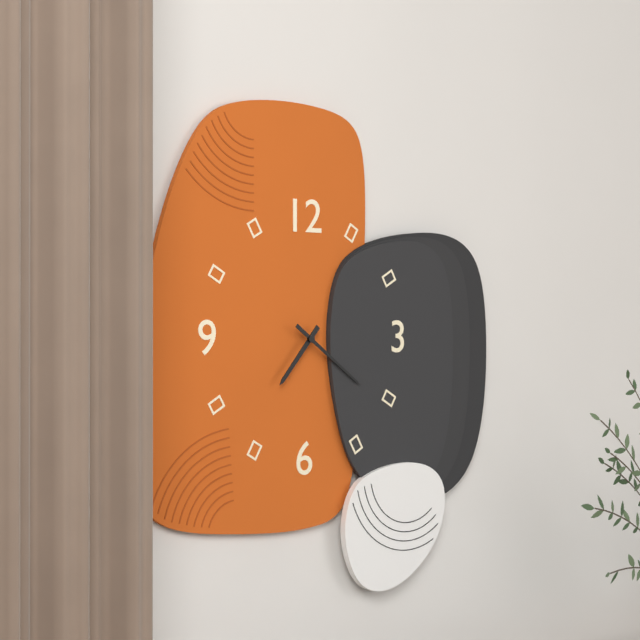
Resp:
h=7 m=21
